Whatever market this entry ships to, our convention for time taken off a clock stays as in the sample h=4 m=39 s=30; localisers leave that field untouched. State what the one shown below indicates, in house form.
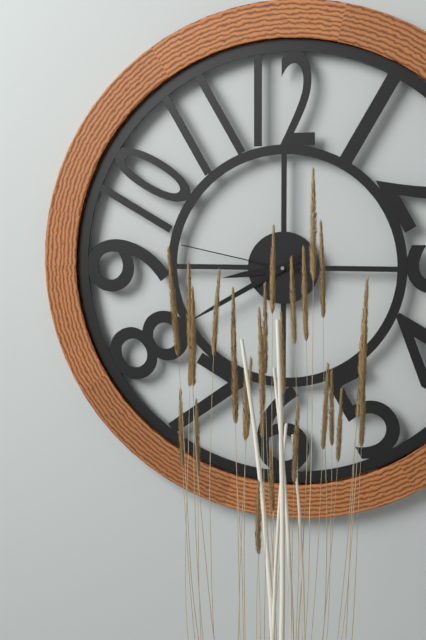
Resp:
h=8 m=40 s=47
